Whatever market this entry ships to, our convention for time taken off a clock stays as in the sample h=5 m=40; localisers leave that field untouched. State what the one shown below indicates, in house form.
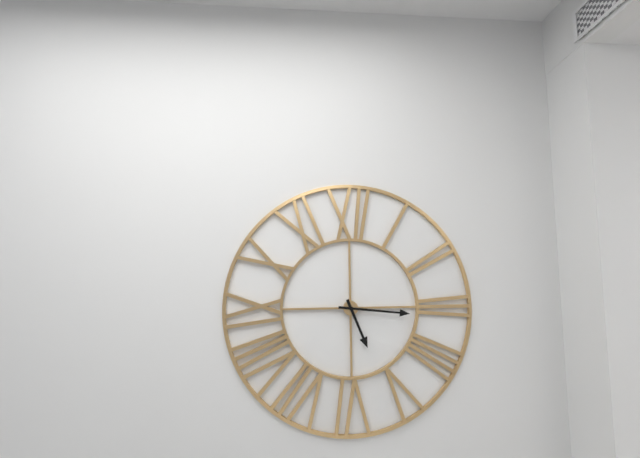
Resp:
h=5 m=16
